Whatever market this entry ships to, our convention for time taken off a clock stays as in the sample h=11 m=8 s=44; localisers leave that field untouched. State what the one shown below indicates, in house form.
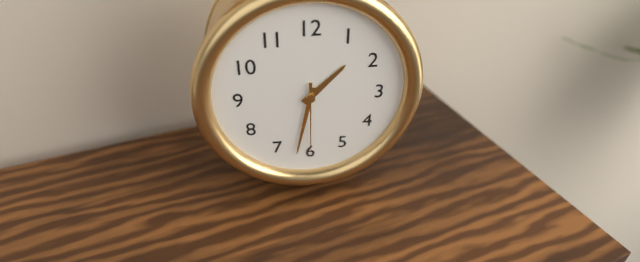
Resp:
h=1 m=32 s=30
